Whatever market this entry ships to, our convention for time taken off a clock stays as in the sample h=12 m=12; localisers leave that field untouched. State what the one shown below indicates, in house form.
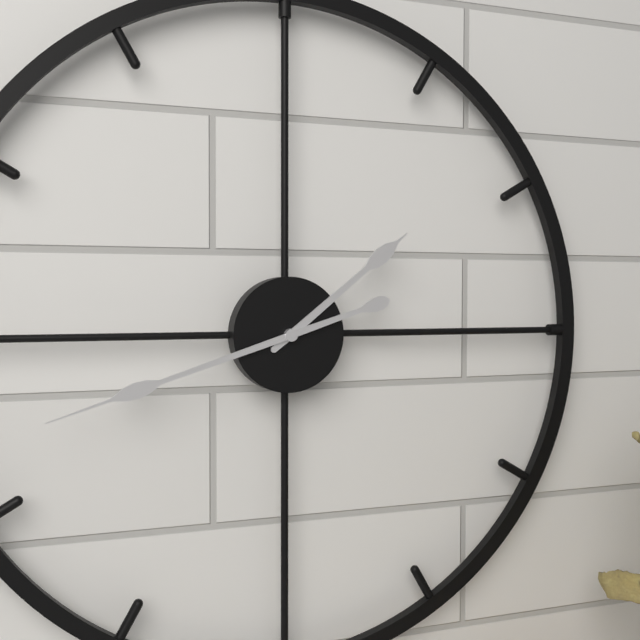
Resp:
h=1 m=42
